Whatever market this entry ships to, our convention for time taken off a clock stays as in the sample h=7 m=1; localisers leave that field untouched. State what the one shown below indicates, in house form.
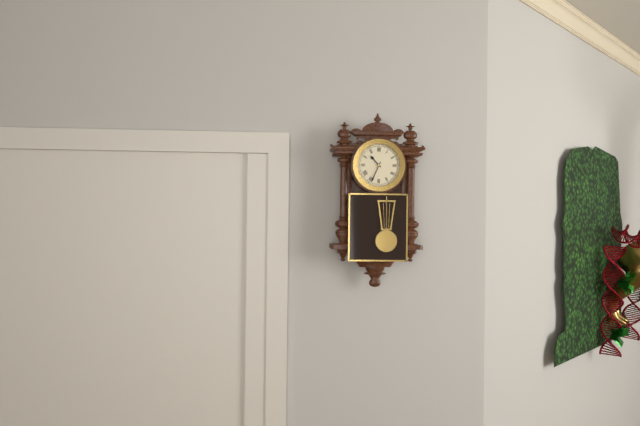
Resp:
h=10 m=34
